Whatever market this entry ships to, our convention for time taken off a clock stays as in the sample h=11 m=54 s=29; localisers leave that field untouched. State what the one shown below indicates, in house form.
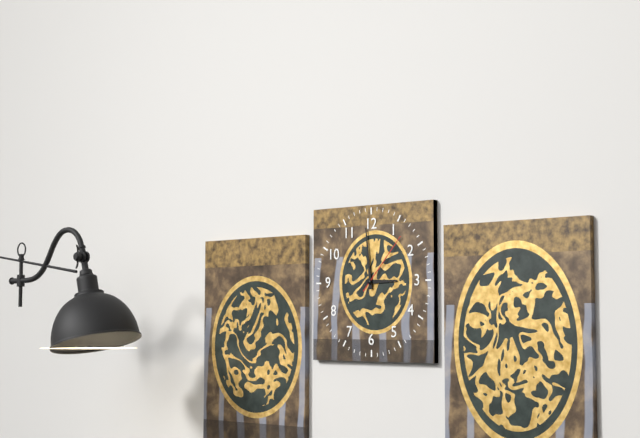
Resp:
h=2 m=59 s=7
